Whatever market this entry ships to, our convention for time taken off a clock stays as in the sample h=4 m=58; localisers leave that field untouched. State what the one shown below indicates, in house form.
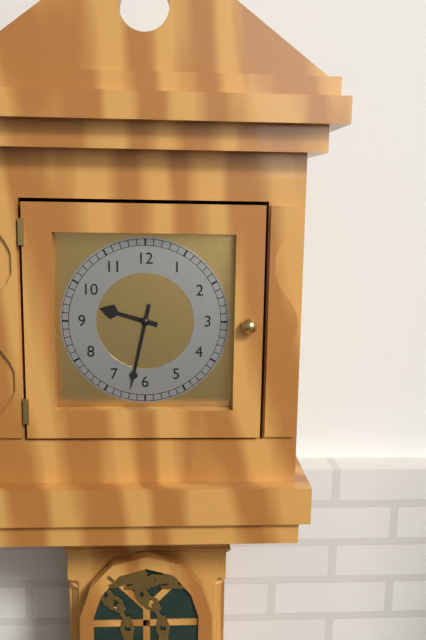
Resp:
h=9 m=32
